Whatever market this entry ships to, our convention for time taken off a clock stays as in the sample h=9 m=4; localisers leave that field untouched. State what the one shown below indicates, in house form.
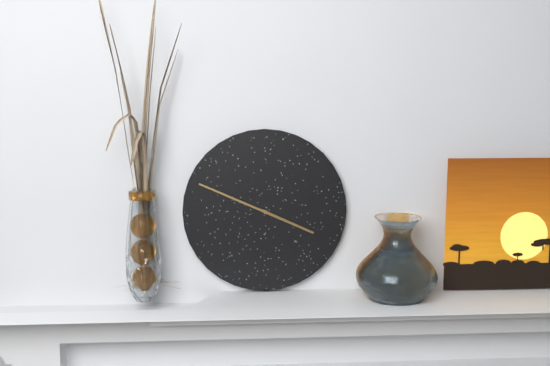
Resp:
h=3 m=49
